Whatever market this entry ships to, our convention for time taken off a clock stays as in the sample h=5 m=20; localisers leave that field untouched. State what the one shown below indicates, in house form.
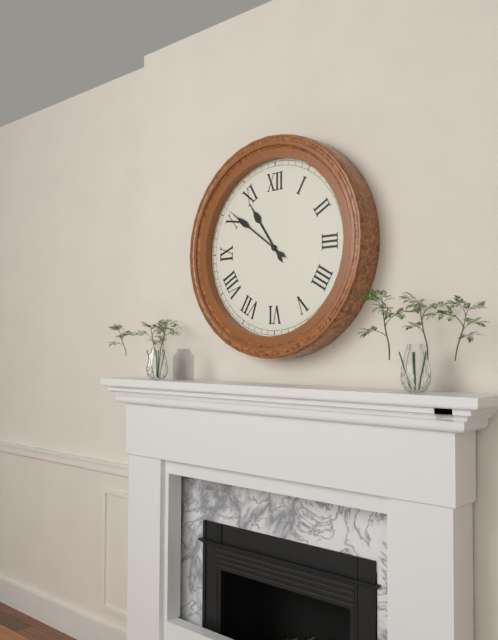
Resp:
h=10 m=51
